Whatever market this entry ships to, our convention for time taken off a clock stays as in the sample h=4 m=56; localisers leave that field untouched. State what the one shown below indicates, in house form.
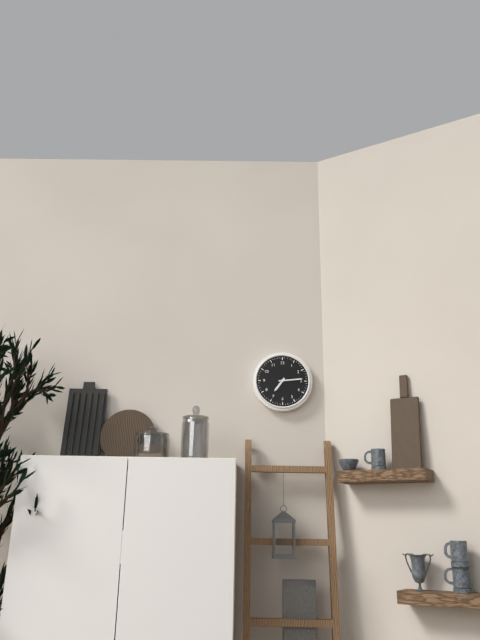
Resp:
h=7 m=14
